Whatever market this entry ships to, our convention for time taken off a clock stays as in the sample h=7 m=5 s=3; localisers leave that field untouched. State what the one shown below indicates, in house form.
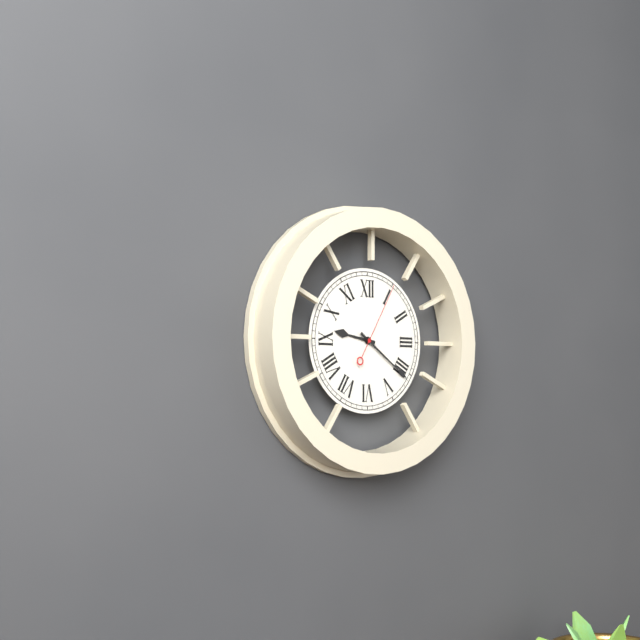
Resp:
h=9 m=21 s=5
